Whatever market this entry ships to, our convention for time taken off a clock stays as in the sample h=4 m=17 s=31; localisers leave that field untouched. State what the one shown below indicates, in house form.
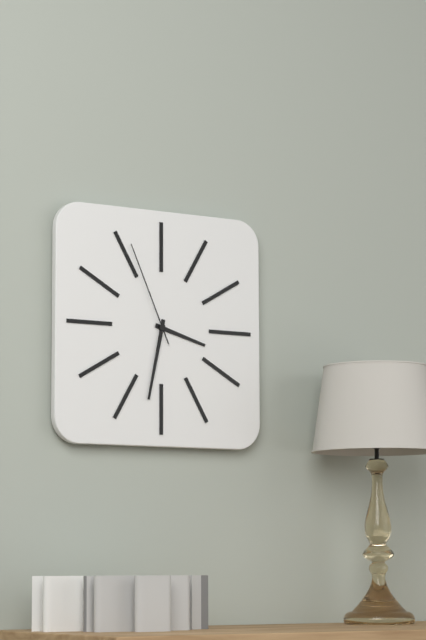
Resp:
h=3 m=32 s=56
